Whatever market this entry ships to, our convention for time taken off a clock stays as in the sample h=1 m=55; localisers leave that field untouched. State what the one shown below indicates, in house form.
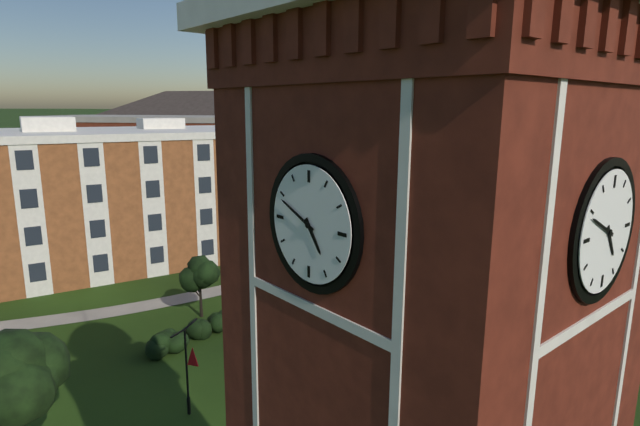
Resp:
h=4 m=49
